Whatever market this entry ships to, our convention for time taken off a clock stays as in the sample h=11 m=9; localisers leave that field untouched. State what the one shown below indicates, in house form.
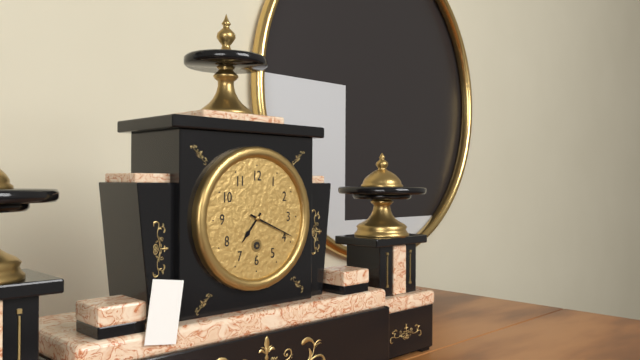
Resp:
h=7 m=19
